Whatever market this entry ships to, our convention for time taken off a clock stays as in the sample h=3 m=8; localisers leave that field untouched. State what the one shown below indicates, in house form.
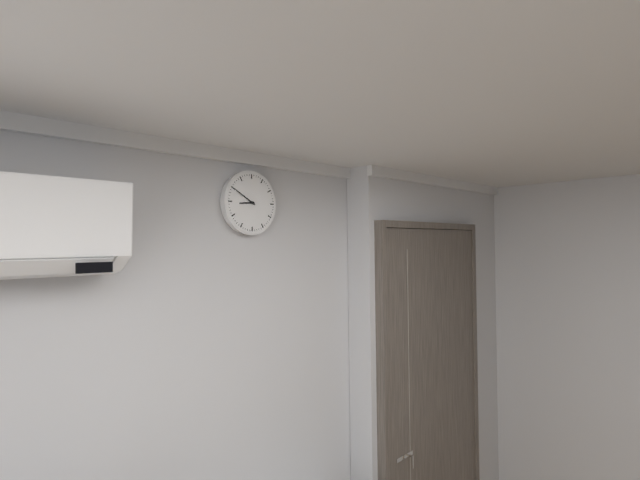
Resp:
h=8 m=50
